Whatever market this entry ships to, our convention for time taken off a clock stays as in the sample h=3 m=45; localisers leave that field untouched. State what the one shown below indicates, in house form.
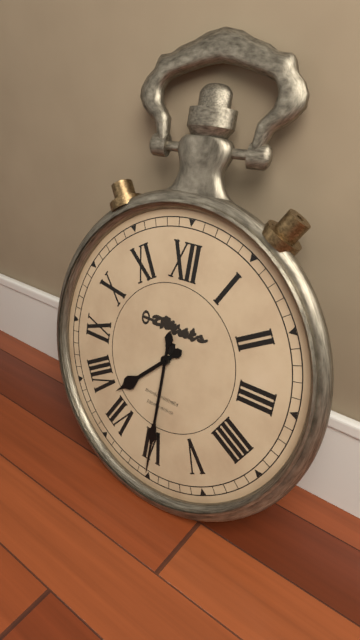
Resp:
h=7 m=30
